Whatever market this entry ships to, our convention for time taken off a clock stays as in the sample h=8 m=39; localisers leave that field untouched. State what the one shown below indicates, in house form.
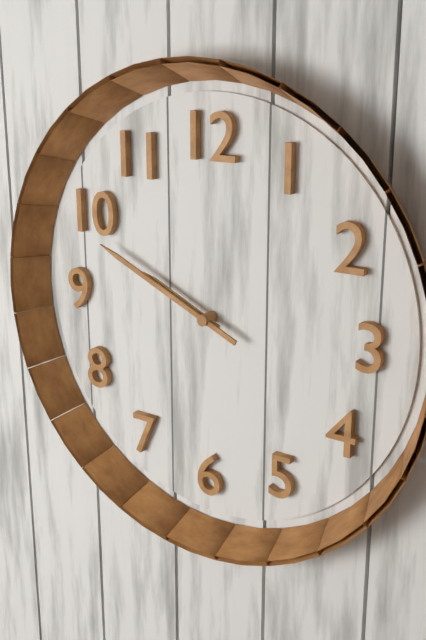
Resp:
h=9 m=49
